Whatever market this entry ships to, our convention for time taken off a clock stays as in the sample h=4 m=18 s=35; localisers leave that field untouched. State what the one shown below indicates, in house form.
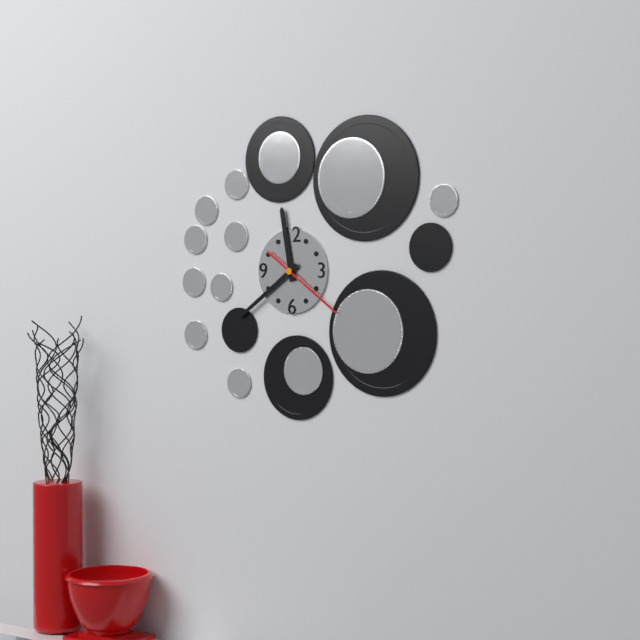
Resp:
h=11 m=39 s=21
